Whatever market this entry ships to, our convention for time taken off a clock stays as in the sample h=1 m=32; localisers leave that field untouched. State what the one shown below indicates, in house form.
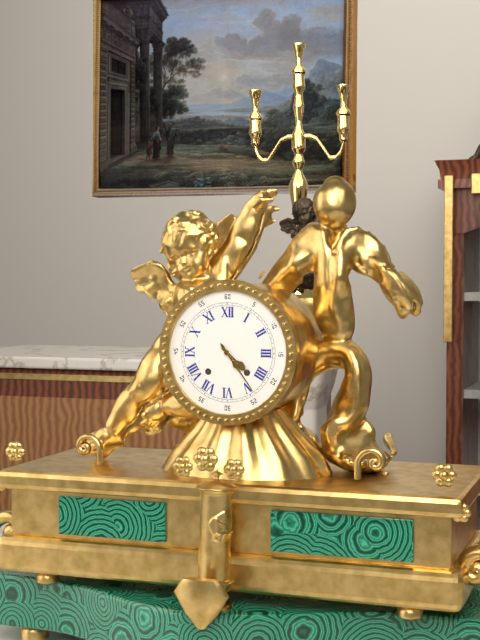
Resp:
h=4 m=24
